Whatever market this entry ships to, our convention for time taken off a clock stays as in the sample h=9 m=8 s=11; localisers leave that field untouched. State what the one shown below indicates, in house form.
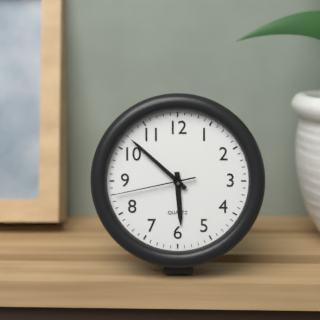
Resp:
h=5 m=52 s=43
